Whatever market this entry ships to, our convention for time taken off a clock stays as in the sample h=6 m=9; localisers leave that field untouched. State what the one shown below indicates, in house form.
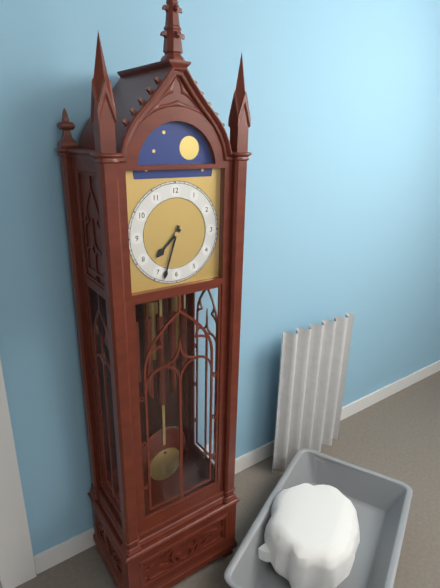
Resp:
h=7 m=33
